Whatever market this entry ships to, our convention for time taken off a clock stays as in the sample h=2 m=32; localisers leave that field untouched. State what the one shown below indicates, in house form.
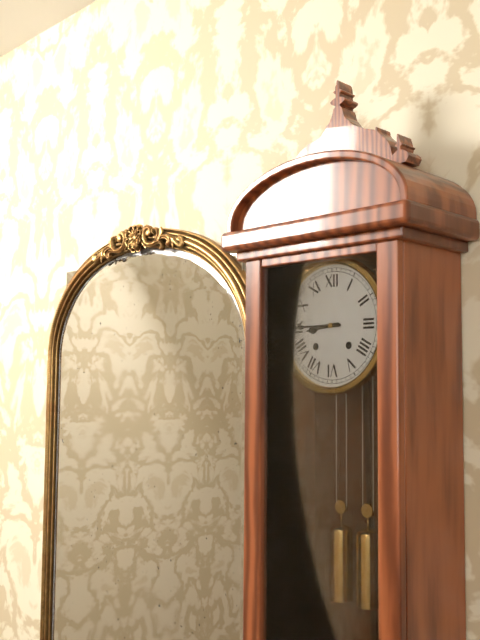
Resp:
h=8 m=45
